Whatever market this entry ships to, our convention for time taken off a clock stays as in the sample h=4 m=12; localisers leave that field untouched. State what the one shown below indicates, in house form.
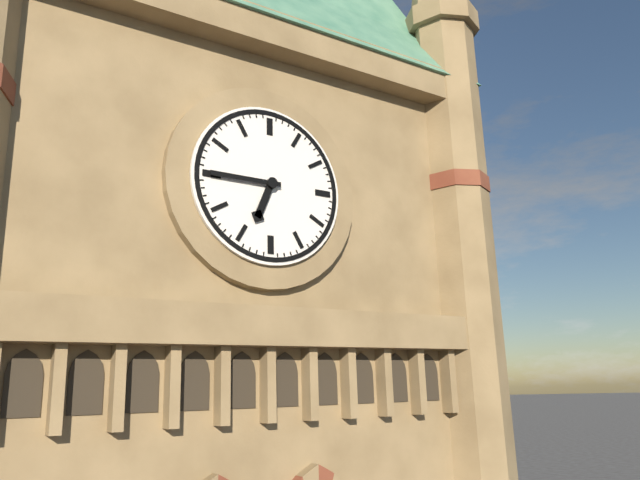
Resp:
h=6 m=45
